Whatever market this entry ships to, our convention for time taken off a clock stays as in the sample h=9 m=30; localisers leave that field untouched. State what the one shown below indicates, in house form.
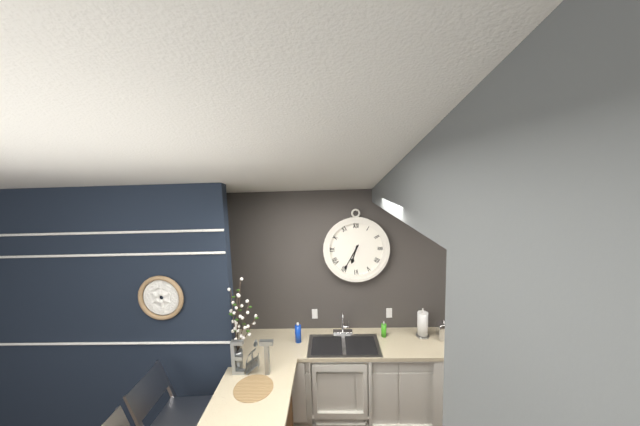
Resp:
h=6 m=35
